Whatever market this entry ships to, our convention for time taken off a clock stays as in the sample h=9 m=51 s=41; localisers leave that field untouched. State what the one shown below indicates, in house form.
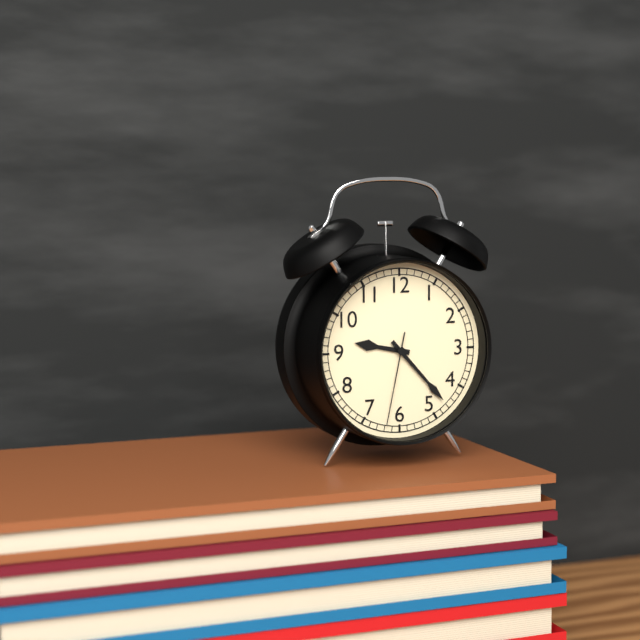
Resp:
h=9 m=23 s=32
